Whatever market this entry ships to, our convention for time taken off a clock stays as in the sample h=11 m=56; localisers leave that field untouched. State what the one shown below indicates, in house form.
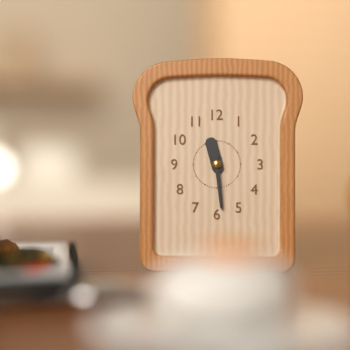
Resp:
h=11 m=29
